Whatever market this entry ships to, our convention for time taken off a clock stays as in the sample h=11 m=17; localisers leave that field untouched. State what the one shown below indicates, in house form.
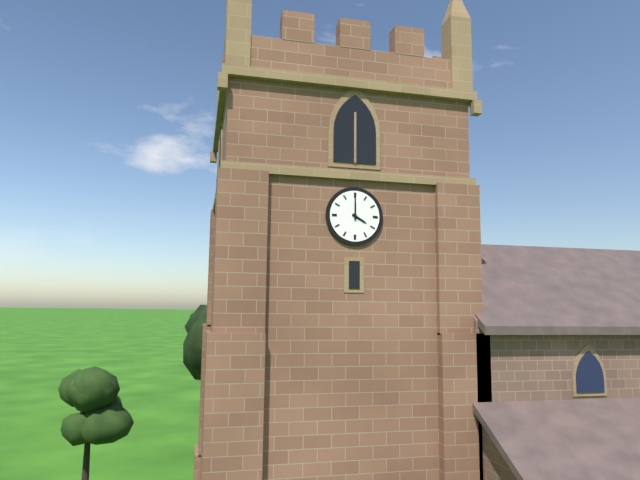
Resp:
h=4 m=0
